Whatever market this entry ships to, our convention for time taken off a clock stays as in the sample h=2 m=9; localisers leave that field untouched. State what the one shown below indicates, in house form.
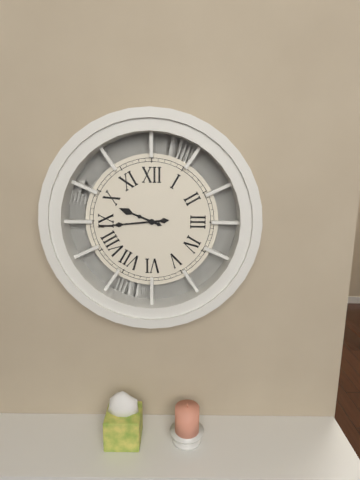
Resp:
h=9 m=44
